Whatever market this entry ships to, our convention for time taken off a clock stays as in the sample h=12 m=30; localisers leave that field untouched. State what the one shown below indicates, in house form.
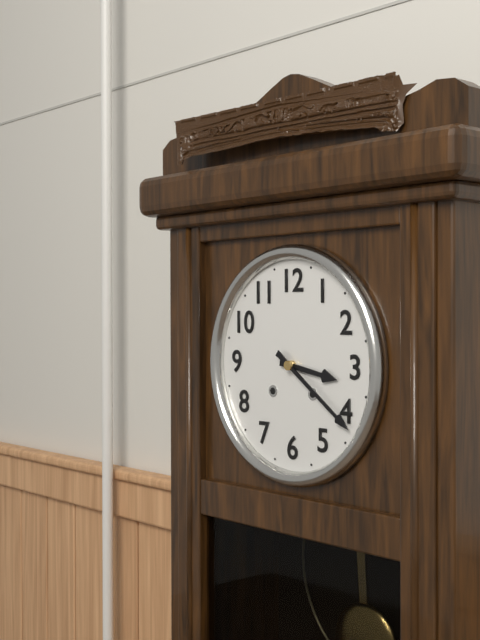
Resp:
h=3 m=21
